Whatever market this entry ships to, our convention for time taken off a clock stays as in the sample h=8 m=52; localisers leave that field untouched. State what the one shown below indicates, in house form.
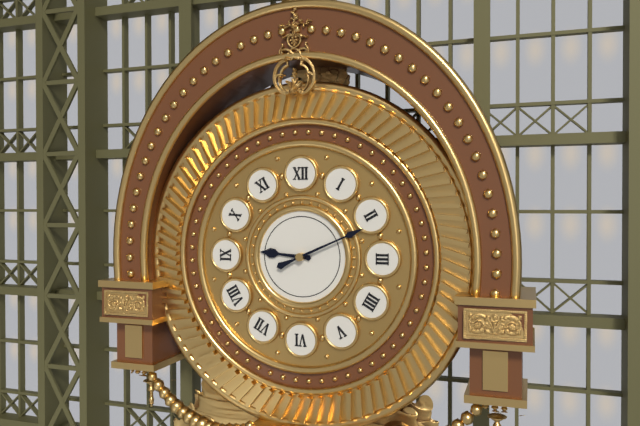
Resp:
h=9 m=11
